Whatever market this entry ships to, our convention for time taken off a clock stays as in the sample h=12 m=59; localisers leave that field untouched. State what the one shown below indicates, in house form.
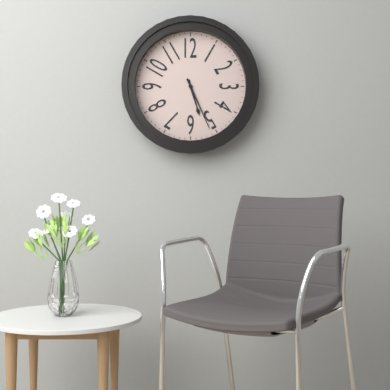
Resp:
h=5 m=26
